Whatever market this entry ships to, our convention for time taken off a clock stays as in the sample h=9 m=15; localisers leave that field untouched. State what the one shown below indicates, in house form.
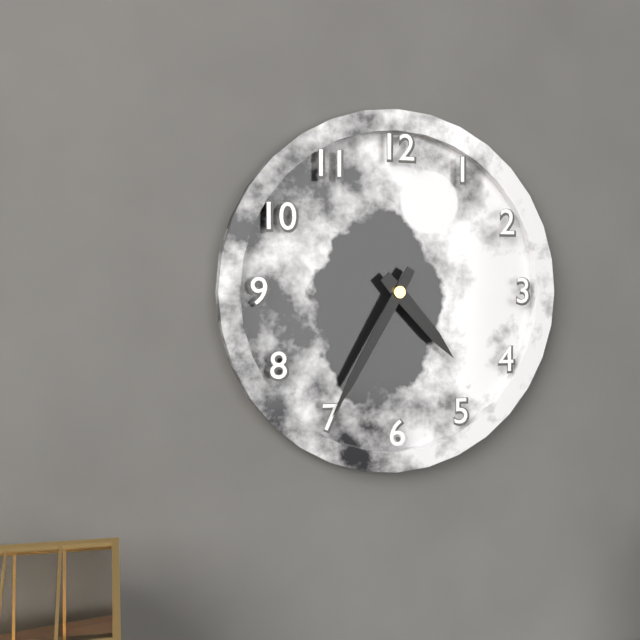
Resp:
h=4 m=35
